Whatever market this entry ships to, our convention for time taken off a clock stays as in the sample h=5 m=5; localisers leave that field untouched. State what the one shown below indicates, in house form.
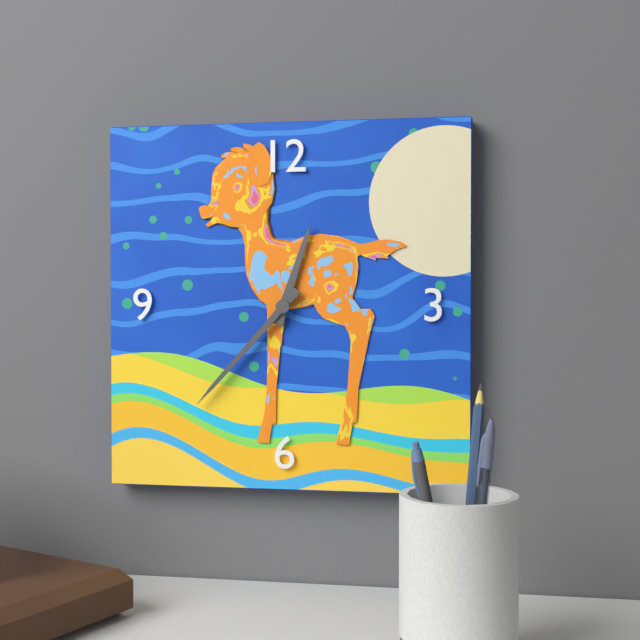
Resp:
h=12 m=37
